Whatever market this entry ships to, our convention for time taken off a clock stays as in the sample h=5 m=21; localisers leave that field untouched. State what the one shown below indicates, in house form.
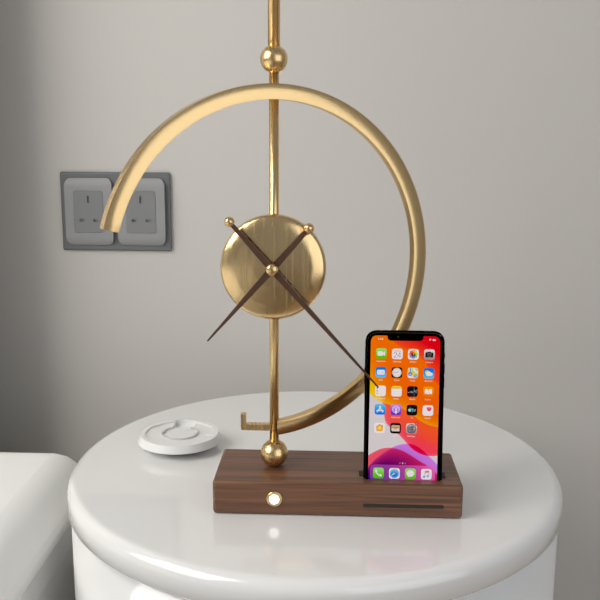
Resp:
h=7 m=23
